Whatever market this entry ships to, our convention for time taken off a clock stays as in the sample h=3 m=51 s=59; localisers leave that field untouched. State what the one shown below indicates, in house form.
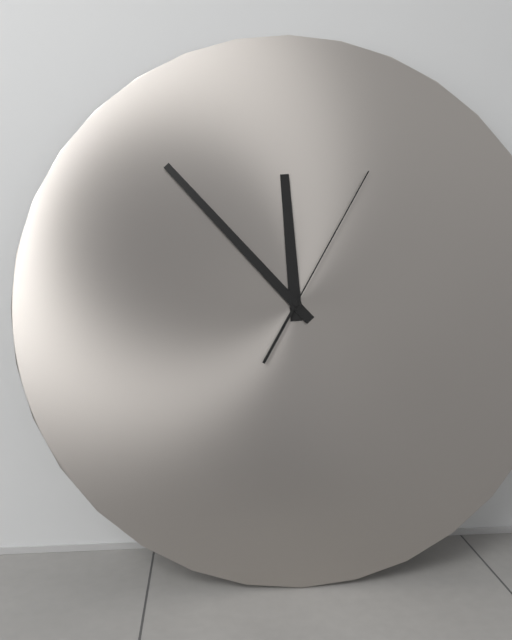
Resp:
h=11 m=53 s=5
